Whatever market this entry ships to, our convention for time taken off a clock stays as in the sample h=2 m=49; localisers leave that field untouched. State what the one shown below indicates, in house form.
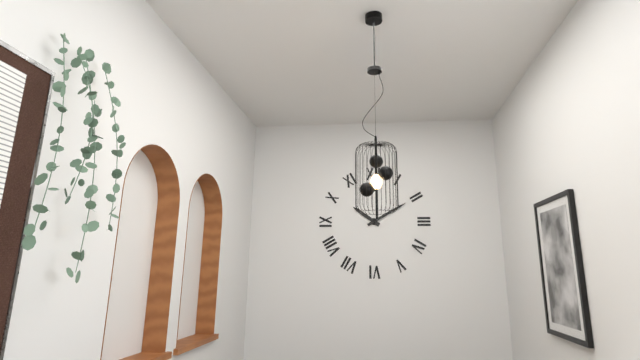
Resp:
h=10 m=10
